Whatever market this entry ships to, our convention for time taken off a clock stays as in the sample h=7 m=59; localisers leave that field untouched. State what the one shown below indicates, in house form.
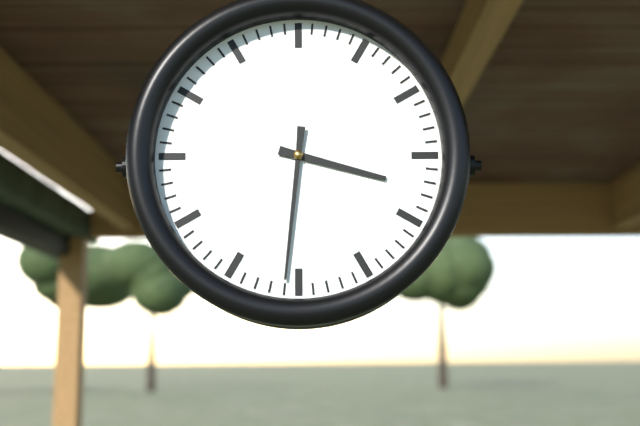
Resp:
h=3 m=31
